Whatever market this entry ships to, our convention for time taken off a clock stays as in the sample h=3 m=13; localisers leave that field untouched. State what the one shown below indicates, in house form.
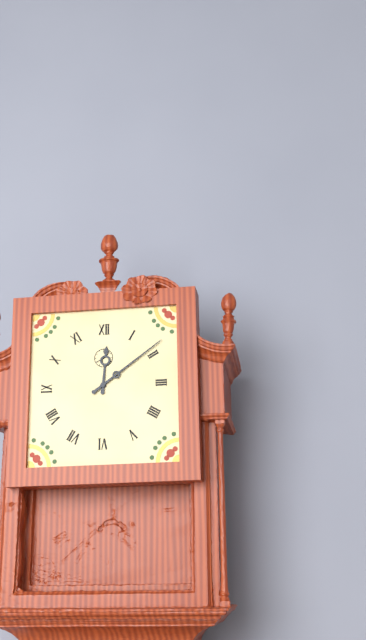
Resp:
h=12 m=9
